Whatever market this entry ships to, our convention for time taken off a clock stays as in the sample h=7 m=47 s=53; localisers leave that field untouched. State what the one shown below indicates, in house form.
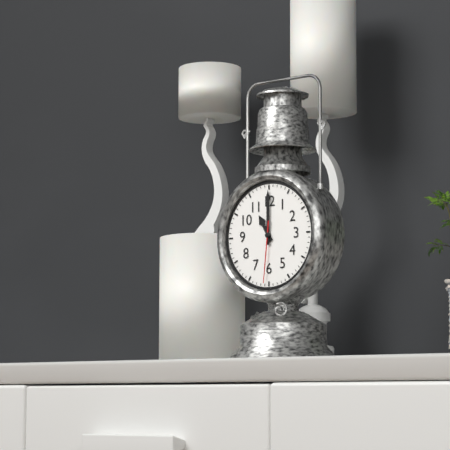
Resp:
h=11 m=0 s=31
